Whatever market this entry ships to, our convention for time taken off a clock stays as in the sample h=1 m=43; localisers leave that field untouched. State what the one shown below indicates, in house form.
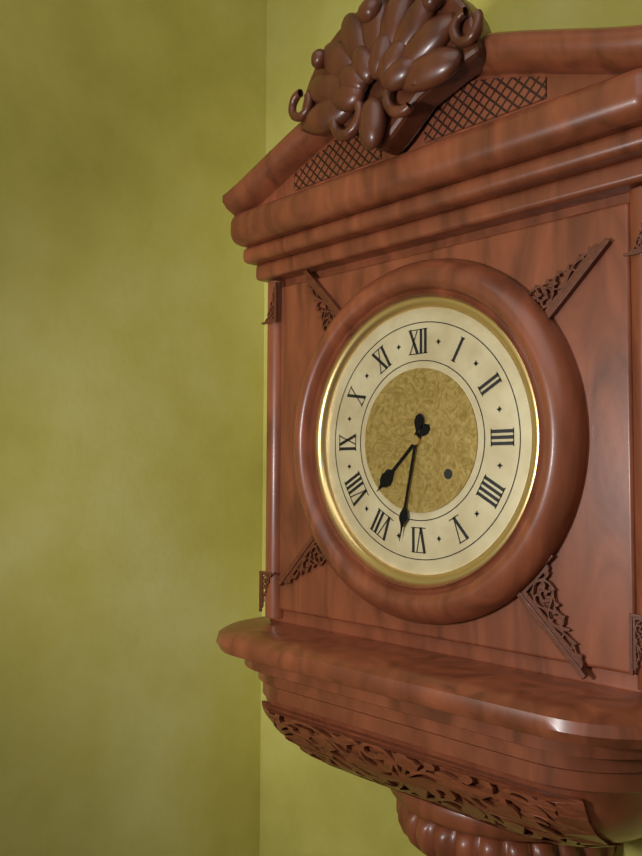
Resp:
h=7 m=32
